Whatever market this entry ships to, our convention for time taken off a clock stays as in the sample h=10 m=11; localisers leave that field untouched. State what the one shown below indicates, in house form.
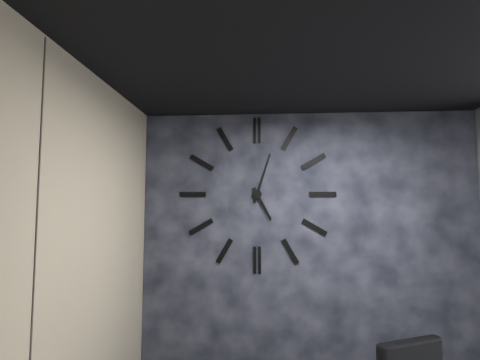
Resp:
h=5 m=3
